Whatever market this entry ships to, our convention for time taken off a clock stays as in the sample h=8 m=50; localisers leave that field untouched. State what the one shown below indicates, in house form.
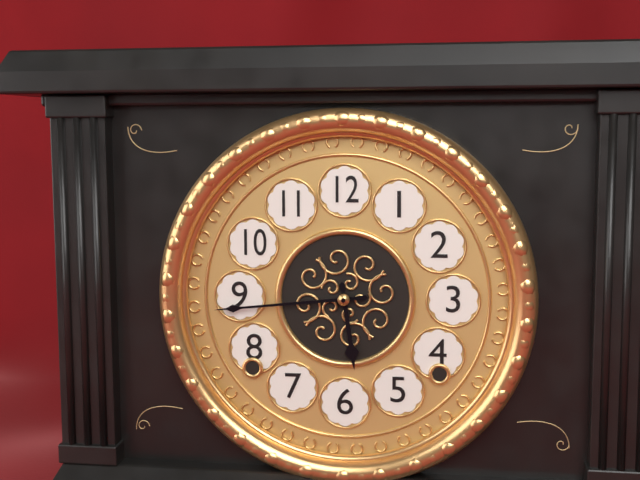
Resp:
h=5 m=44
